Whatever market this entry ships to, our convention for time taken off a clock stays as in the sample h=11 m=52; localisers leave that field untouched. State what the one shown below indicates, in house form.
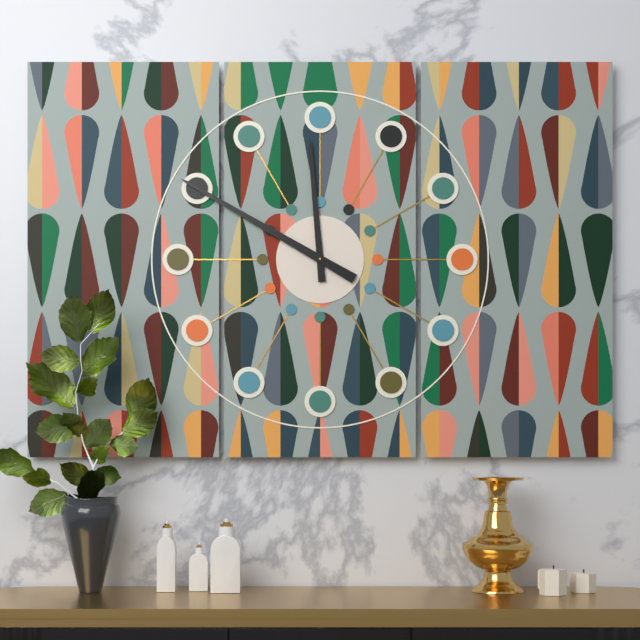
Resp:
h=11 m=50
